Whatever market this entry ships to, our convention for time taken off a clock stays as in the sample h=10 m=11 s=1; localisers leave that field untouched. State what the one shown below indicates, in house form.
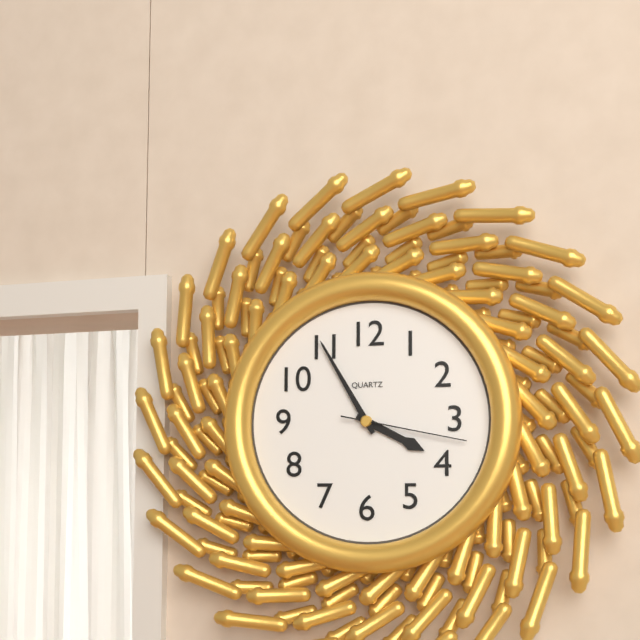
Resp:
h=3 m=55 s=17
